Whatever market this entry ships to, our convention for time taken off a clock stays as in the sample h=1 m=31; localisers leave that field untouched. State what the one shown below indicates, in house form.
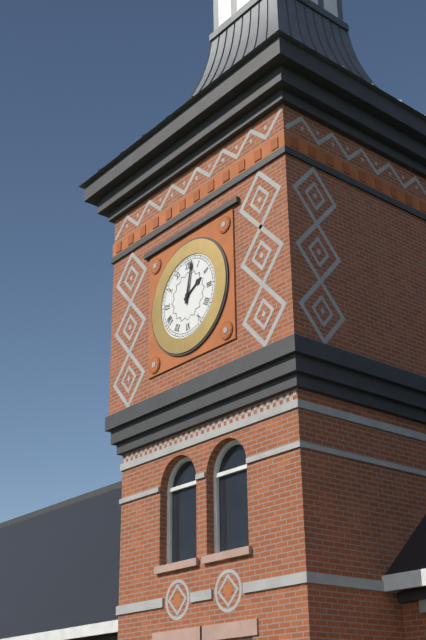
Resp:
h=2 m=2
